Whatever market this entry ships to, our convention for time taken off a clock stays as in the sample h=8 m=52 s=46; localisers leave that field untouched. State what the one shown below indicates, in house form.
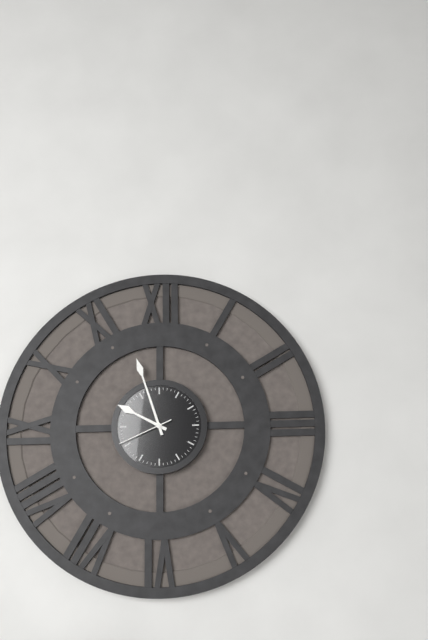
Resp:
h=9 m=57 s=41
